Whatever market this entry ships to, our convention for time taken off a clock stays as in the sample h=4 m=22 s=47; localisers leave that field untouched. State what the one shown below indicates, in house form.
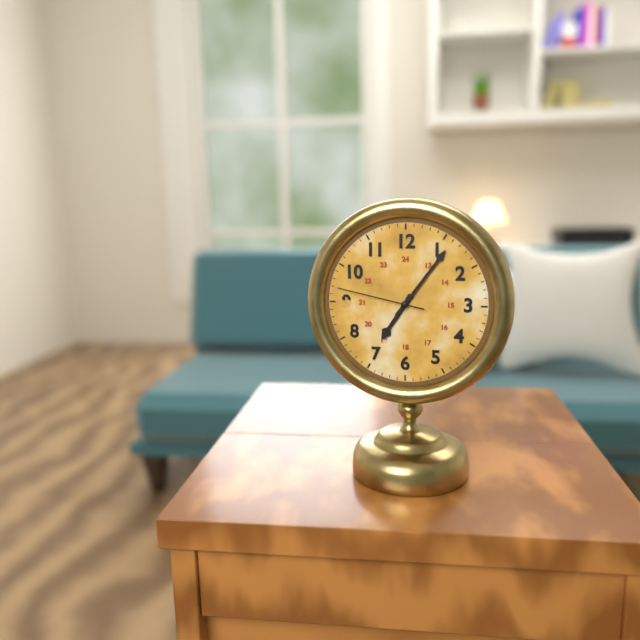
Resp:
h=7 m=6 s=47
